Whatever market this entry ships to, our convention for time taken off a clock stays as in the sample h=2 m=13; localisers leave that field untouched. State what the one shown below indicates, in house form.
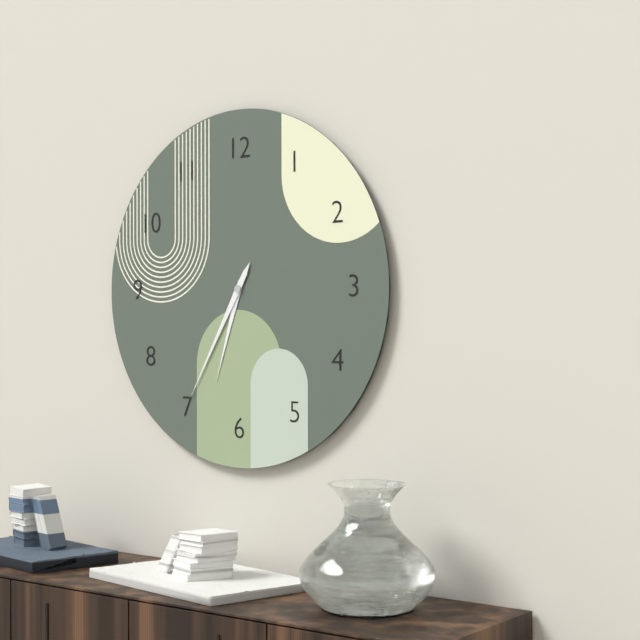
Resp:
h=6 m=35
